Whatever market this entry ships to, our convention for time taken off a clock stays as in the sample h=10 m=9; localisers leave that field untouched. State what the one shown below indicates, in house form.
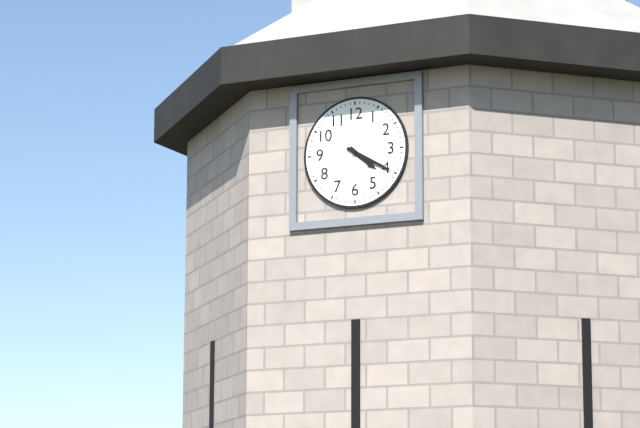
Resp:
h=4 m=20
